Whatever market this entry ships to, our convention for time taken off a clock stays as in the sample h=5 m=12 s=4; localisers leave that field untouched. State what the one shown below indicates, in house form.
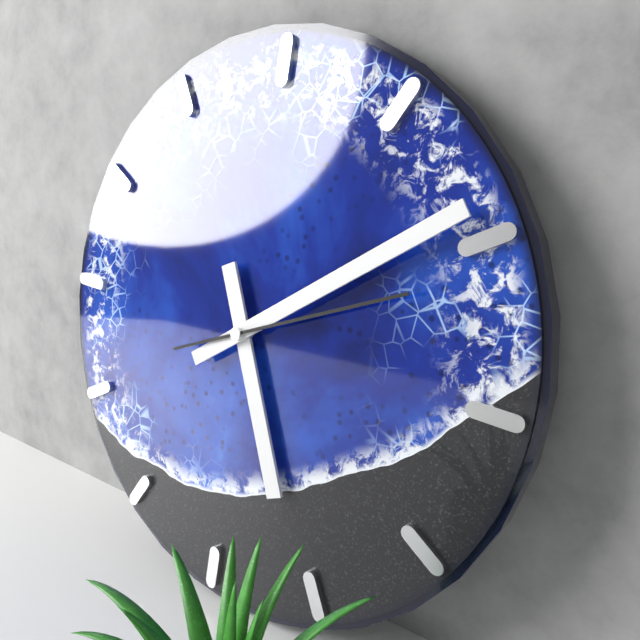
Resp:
h=5 m=9 s=11
